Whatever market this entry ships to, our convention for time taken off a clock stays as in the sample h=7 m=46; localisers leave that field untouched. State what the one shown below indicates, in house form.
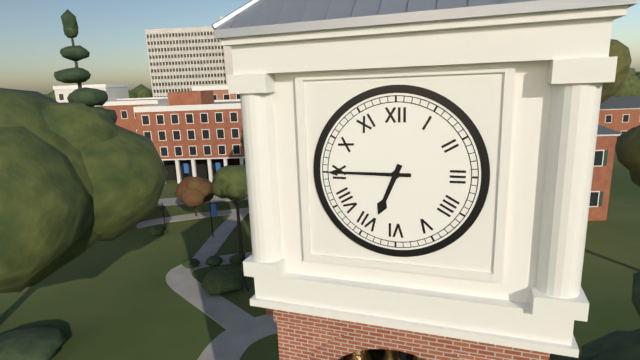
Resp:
h=6 m=45
